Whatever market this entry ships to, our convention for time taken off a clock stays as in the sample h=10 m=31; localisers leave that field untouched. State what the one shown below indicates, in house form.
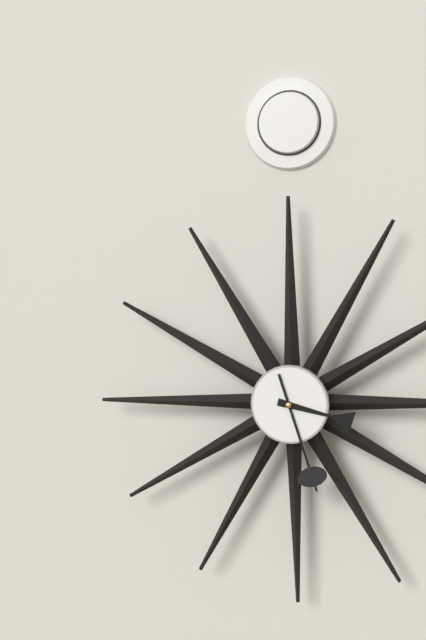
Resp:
h=3 m=27
